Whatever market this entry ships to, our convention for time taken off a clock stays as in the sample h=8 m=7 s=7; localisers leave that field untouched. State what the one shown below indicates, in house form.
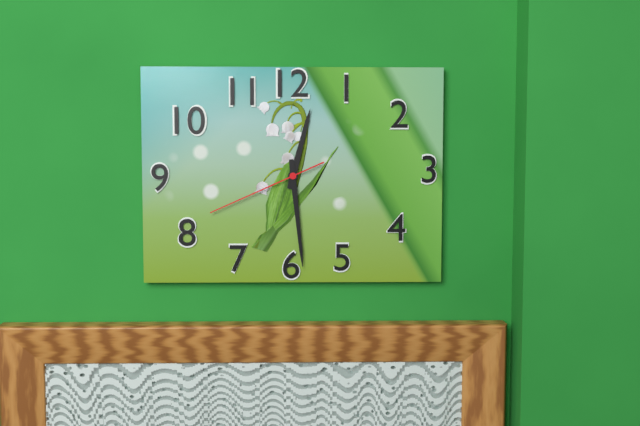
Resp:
h=12 m=29 s=41
